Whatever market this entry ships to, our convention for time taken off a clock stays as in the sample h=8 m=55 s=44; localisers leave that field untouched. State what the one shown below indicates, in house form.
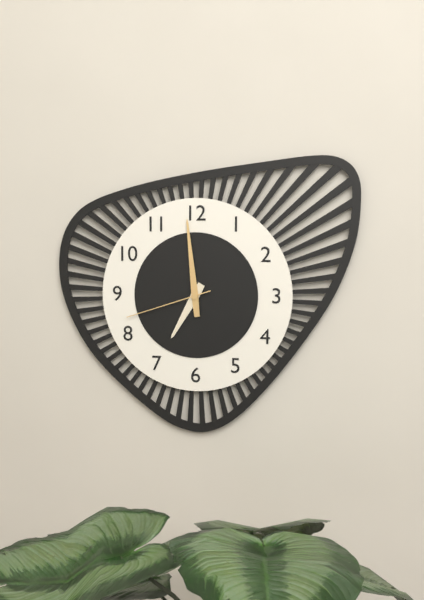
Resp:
h=6 m=59 s=42
